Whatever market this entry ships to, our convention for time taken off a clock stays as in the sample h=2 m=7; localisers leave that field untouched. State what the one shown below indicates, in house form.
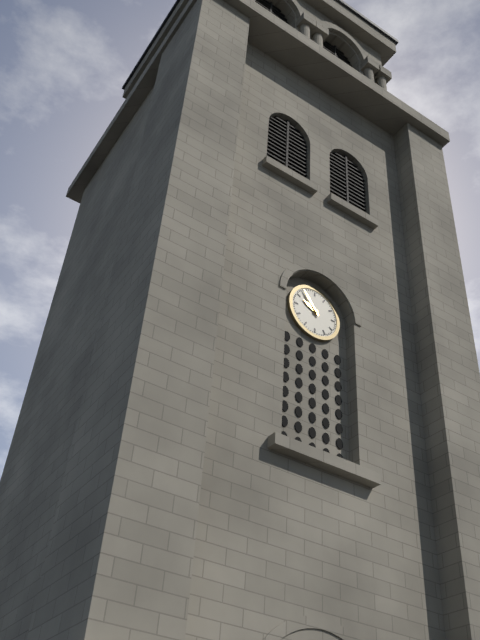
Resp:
h=9 m=54
